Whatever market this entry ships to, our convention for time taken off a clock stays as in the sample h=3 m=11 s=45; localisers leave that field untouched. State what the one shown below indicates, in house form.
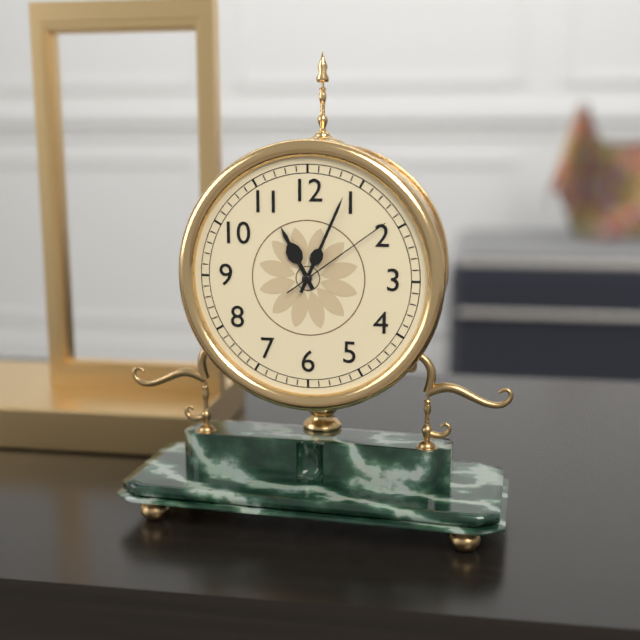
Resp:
h=11 m=4 s=9
